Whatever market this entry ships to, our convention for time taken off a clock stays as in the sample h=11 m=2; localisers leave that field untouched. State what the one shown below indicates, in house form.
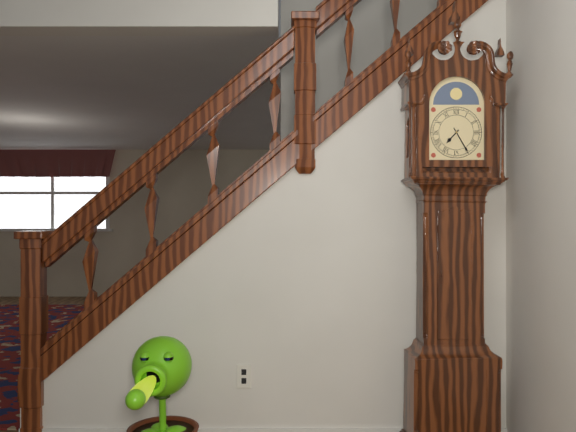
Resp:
h=7 m=25
